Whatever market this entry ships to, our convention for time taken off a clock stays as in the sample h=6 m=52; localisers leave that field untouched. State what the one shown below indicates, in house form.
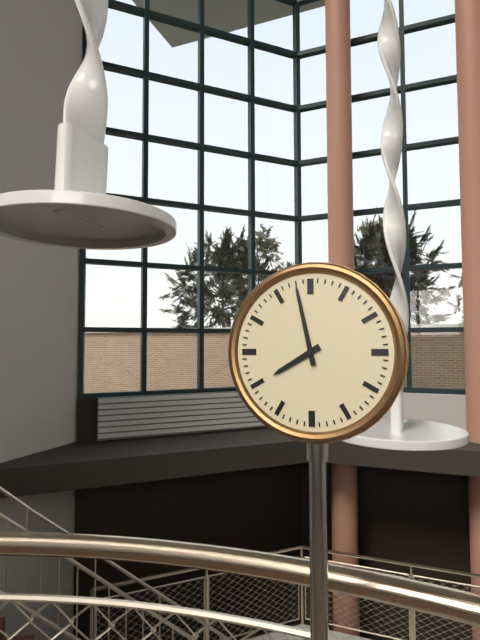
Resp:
h=7 m=58
